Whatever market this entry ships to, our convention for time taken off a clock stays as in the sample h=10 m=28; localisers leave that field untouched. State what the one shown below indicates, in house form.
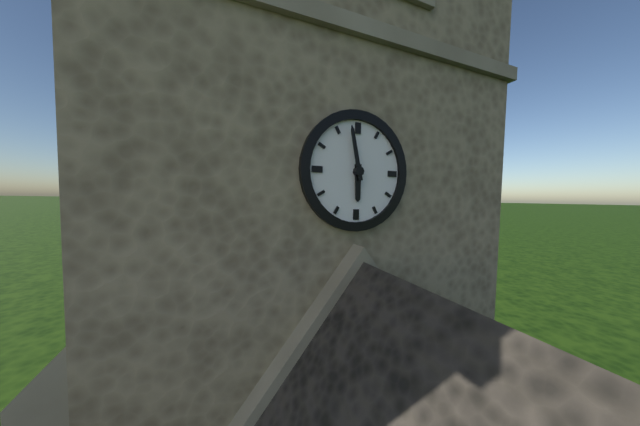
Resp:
h=5 m=58
